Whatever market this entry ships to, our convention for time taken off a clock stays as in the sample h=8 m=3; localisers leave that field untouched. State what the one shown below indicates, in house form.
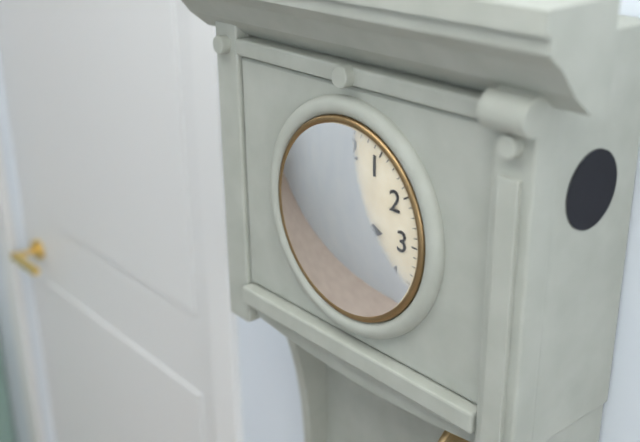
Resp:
h=2 m=56
